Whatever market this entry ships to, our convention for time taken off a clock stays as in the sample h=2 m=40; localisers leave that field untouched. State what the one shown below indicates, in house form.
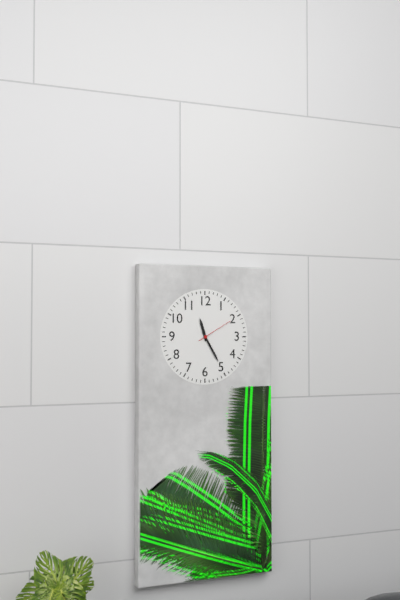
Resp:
h=11 m=25
